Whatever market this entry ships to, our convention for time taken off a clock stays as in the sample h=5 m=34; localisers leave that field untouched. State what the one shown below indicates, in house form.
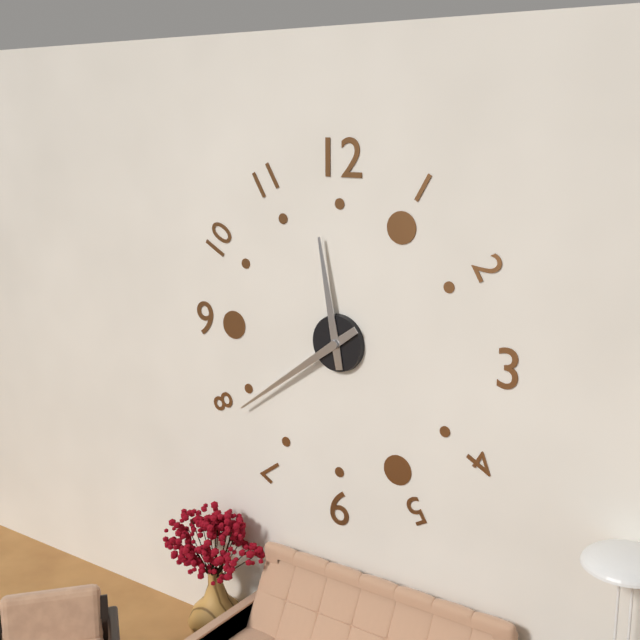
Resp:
h=11 m=39
